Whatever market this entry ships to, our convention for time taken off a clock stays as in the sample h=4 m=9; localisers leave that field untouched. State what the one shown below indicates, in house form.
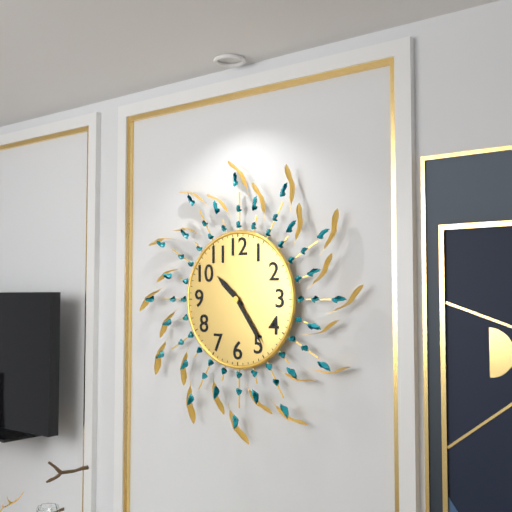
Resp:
h=10 m=24
